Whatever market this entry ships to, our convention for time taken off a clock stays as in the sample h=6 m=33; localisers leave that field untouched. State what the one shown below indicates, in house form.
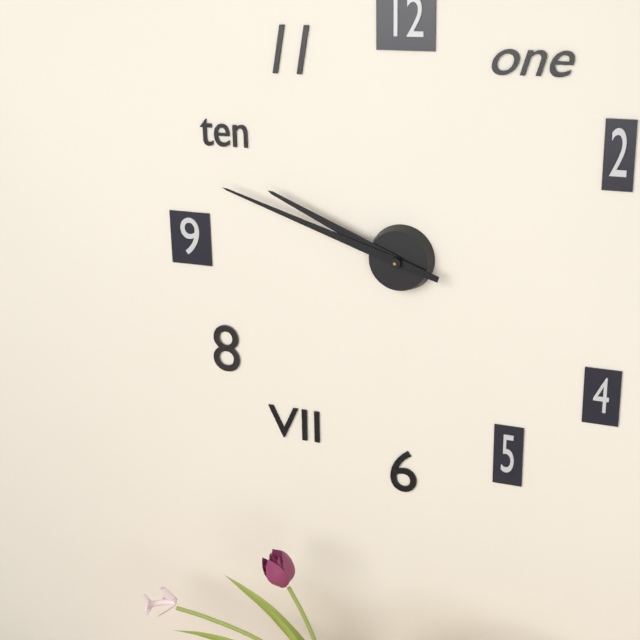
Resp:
h=9 m=48
